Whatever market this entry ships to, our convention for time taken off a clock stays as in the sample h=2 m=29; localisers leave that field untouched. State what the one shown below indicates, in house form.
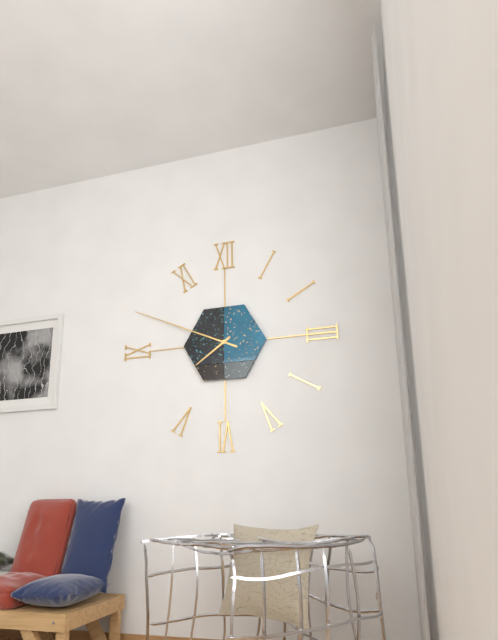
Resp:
h=7 m=49
